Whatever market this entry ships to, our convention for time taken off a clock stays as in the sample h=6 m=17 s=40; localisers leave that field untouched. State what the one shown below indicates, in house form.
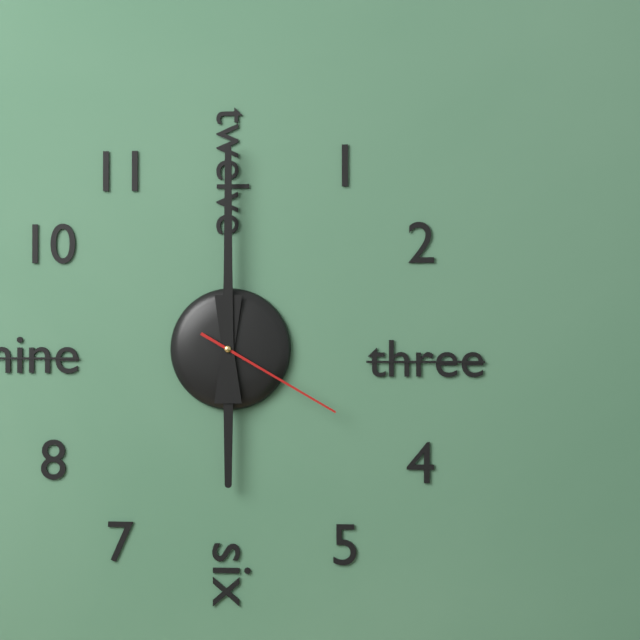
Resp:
h=6 m=0 s=20
